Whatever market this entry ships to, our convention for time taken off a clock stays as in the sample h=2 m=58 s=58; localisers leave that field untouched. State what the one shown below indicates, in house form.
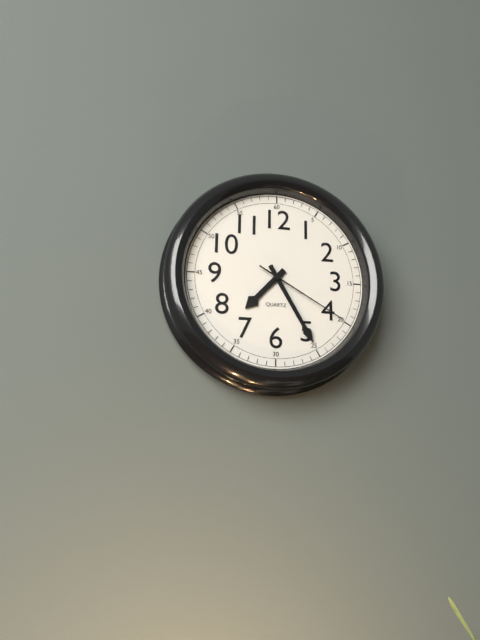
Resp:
h=7 m=25 s=20
